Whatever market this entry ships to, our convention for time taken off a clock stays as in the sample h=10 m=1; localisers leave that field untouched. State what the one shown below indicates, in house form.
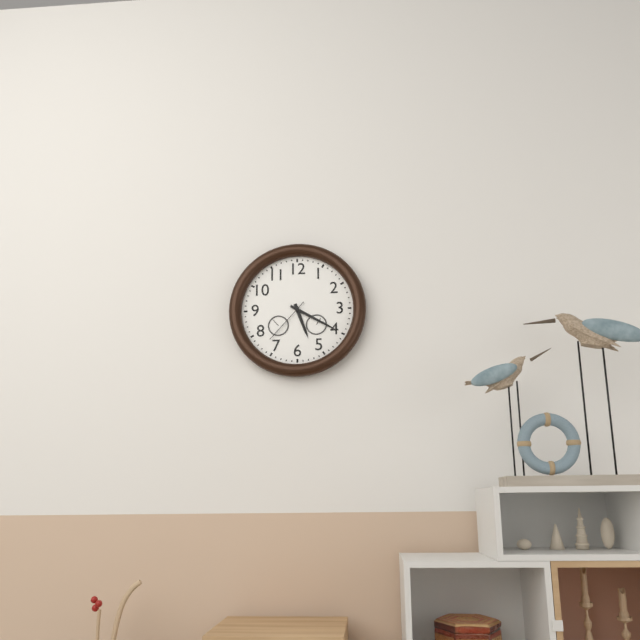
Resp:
h=5 m=20
